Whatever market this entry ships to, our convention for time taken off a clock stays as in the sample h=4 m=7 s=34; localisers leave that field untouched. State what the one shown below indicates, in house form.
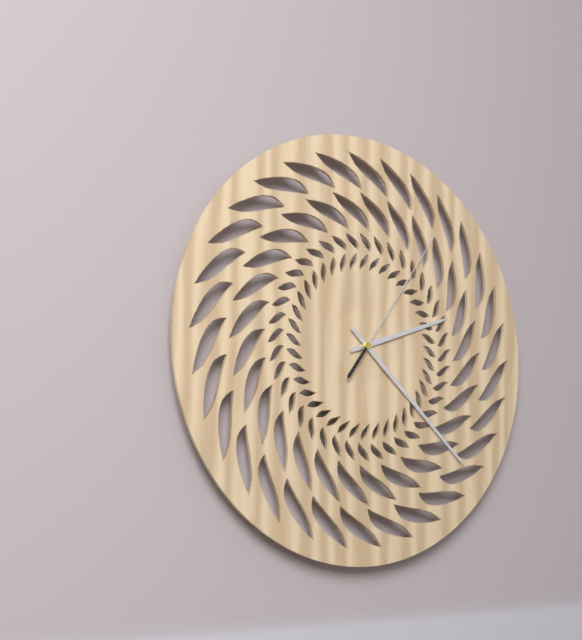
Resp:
h=2 m=22 s=6
